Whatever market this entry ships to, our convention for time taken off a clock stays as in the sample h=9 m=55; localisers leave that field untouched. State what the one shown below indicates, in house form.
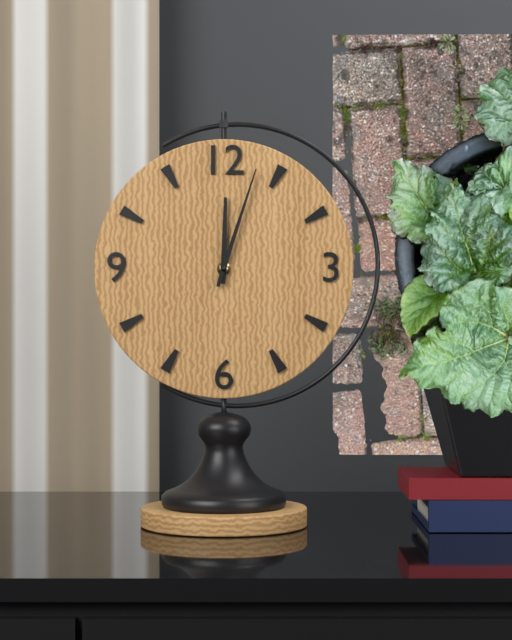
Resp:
h=12 m=3
